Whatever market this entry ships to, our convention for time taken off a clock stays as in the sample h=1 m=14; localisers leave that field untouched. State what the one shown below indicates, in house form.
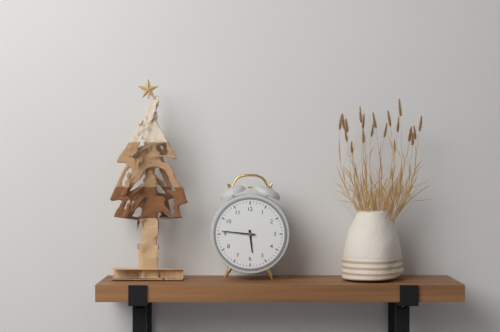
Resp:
h=5 m=46
